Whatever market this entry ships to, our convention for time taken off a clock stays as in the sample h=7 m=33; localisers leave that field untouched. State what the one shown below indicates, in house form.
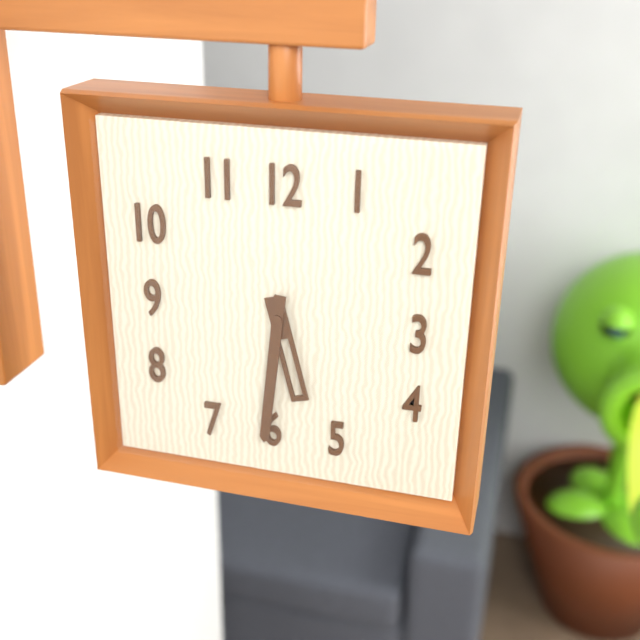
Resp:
h=5 m=31
